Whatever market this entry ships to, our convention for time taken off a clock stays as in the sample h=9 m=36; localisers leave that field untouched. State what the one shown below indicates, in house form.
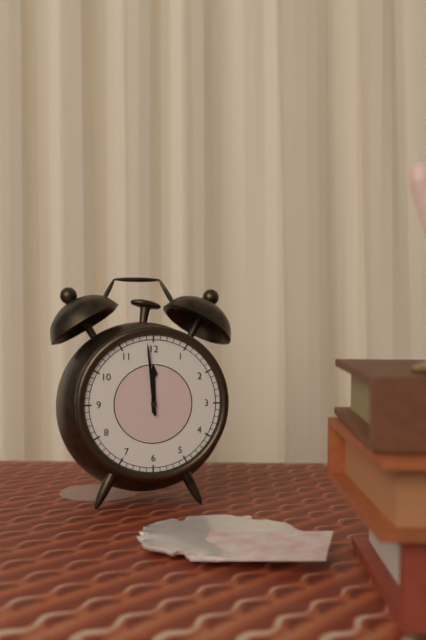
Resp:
h=11 m=59
